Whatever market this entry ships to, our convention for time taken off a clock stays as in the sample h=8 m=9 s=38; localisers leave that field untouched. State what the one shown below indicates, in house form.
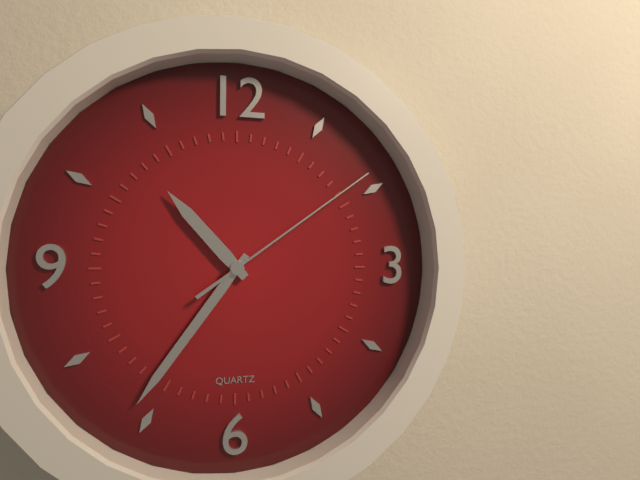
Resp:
h=10 m=36 s=9
